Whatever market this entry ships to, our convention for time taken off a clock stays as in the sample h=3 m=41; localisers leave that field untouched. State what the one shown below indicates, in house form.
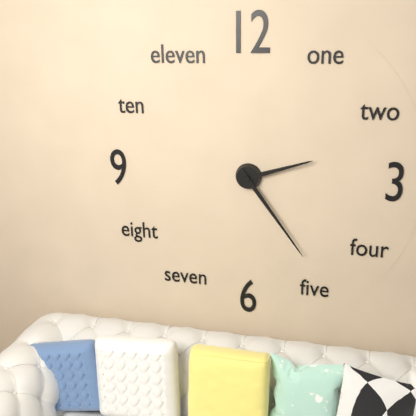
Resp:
h=2 m=24
